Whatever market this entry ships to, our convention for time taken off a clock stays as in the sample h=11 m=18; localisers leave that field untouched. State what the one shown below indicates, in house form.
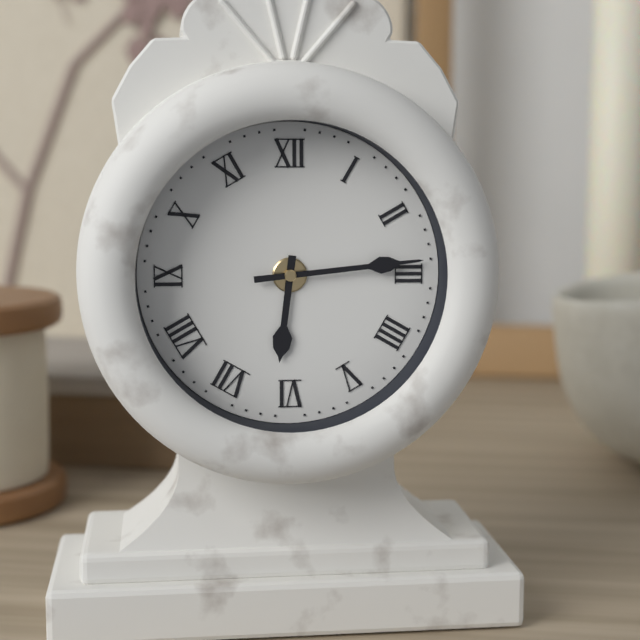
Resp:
h=6 m=14
